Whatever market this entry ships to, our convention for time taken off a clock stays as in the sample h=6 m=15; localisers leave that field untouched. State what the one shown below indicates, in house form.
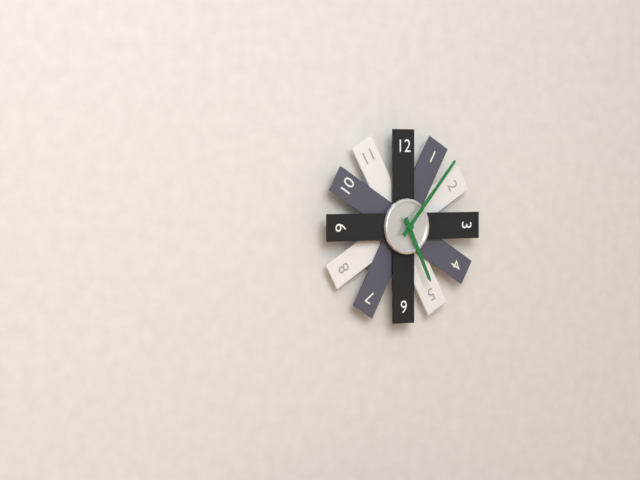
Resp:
h=5 m=7
